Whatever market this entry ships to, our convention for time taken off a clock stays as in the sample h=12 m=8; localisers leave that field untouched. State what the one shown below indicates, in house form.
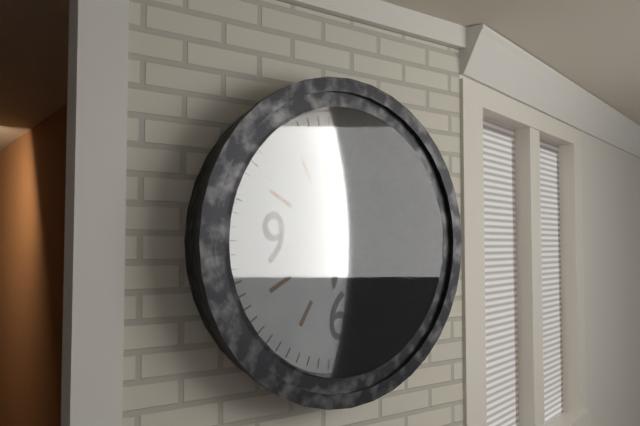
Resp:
h=6 m=18
